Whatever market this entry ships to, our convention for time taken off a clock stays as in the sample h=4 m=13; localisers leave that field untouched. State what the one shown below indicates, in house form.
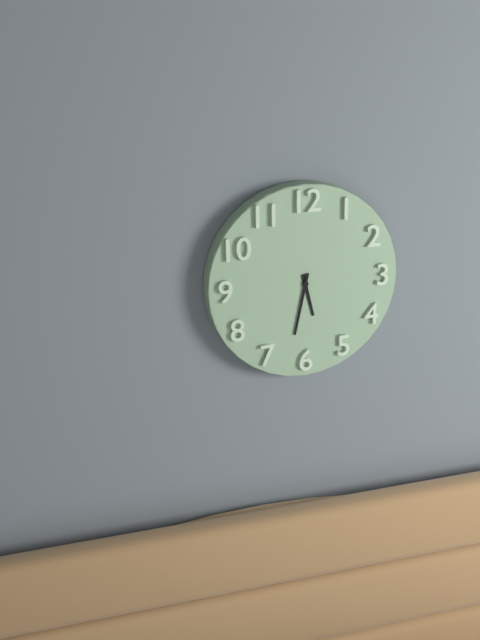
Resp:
h=5 m=32
